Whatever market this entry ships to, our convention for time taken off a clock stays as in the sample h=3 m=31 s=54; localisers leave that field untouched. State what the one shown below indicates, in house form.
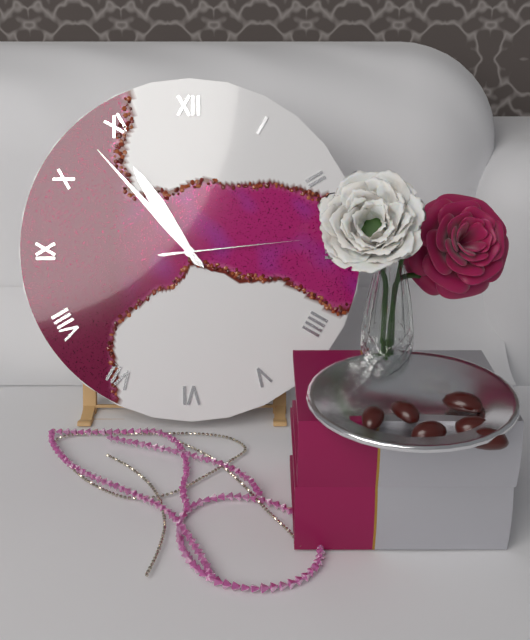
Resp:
h=10 m=53 s=14
